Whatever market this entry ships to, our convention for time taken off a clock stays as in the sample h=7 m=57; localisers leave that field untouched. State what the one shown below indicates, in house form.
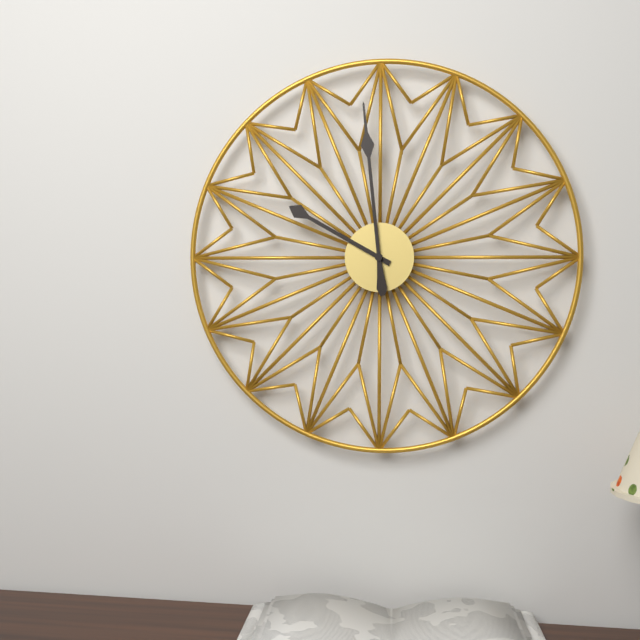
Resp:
h=9 m=59
